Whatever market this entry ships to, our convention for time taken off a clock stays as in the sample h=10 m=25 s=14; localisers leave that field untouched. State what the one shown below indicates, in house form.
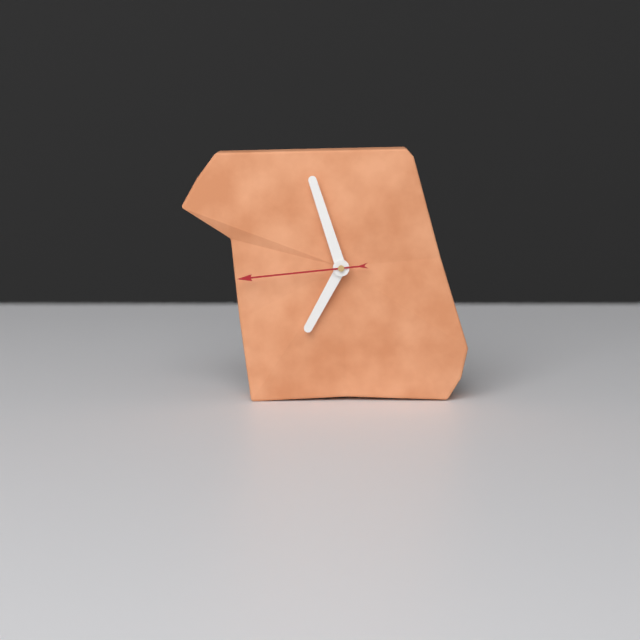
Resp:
h=6 m=57 s=44
